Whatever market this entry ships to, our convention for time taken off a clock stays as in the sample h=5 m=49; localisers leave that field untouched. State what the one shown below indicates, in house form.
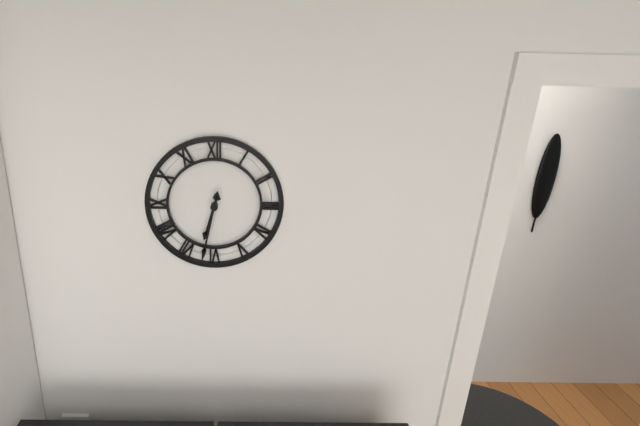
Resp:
h=6 m=32
